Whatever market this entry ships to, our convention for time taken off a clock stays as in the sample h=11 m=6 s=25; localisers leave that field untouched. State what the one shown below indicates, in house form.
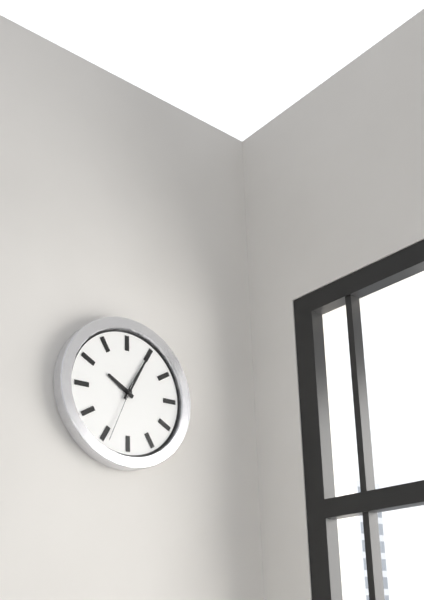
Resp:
h=10 m=5 s=34
